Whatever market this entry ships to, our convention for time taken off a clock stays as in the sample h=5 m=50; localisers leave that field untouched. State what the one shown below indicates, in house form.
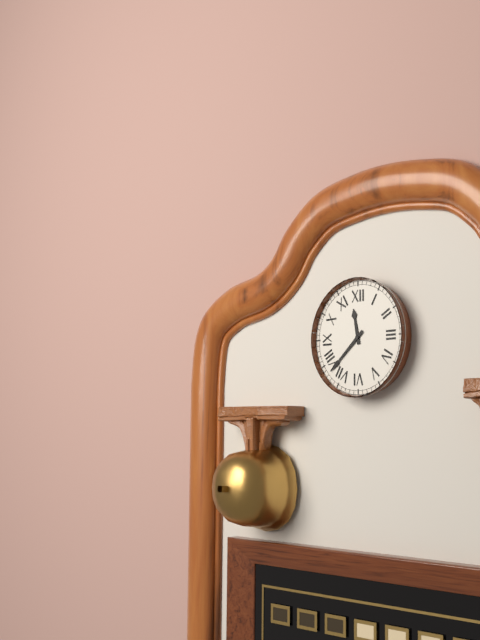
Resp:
h=11 m=38
